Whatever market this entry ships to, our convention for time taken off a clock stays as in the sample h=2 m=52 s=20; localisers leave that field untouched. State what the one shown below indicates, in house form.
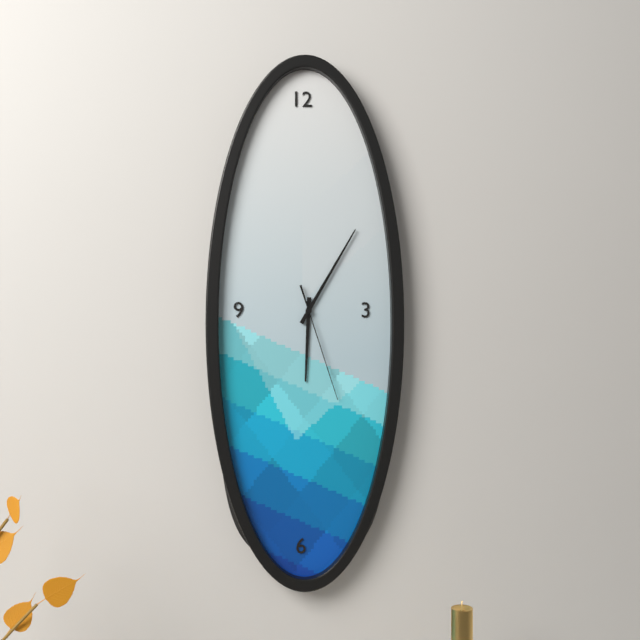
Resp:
h=6 m=5 s=27
